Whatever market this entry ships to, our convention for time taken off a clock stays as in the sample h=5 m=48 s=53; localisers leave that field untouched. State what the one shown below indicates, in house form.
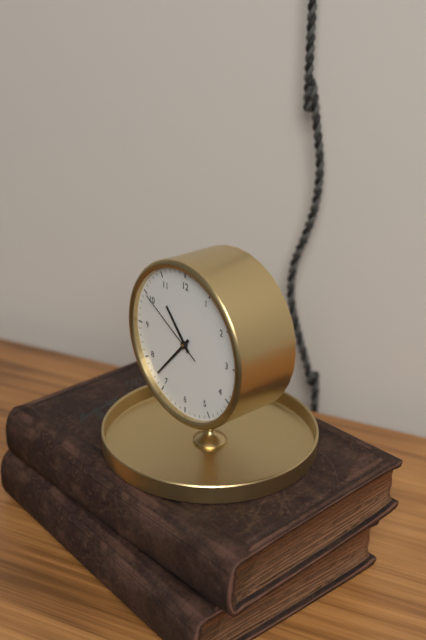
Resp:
h=10 m=37 s=50
